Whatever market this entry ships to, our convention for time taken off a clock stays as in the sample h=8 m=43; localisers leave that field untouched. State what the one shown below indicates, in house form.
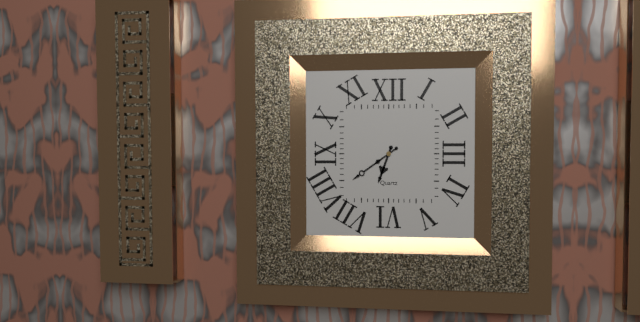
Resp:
h=6 m=39
